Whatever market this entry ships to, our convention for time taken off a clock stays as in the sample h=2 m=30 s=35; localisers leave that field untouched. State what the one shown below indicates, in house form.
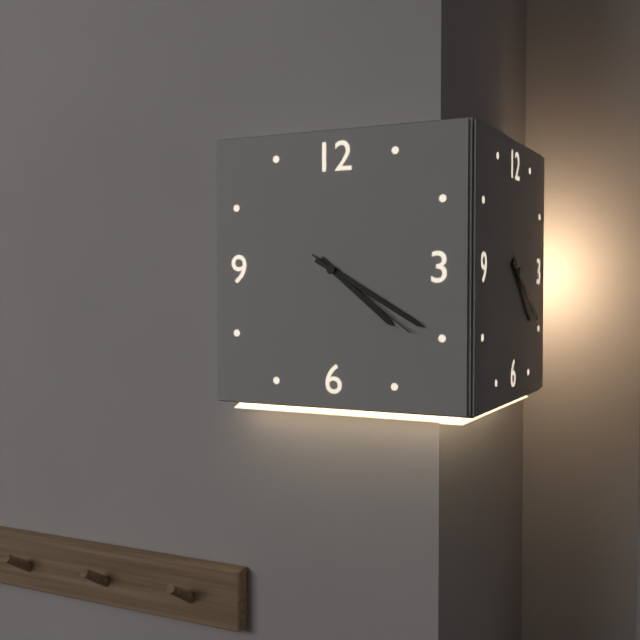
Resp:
h=4 m=20 s=21
